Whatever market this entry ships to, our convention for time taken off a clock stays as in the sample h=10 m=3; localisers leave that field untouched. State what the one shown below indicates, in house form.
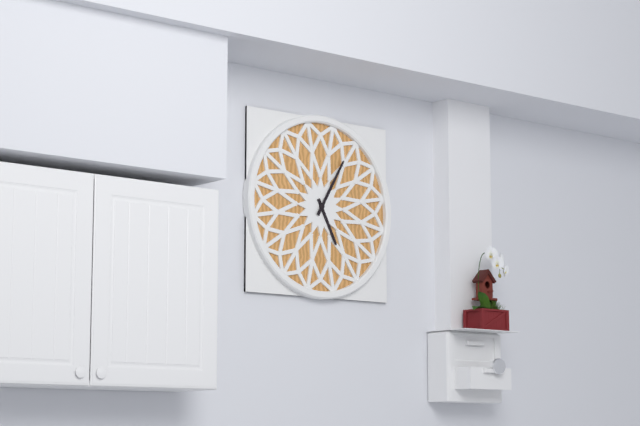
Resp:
h=5 m=5
